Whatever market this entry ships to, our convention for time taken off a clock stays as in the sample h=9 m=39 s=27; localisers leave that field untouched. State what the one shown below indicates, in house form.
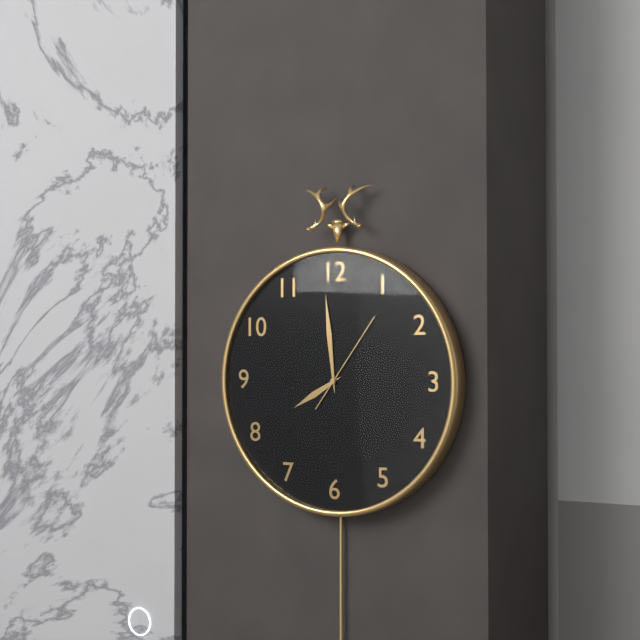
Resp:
h=7 m=59 s=6
